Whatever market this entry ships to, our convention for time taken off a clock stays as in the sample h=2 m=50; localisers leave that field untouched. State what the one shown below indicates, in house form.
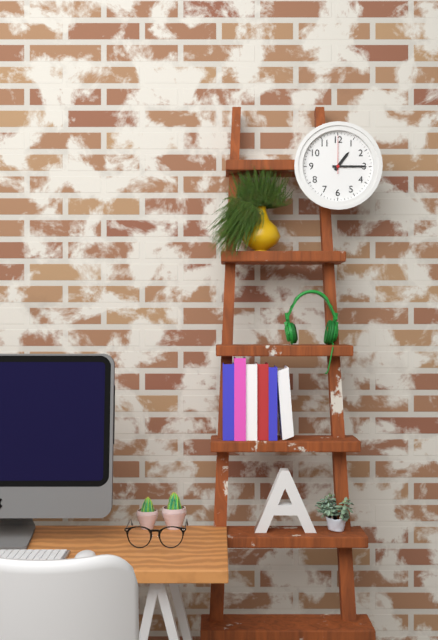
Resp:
h=1 m=15
